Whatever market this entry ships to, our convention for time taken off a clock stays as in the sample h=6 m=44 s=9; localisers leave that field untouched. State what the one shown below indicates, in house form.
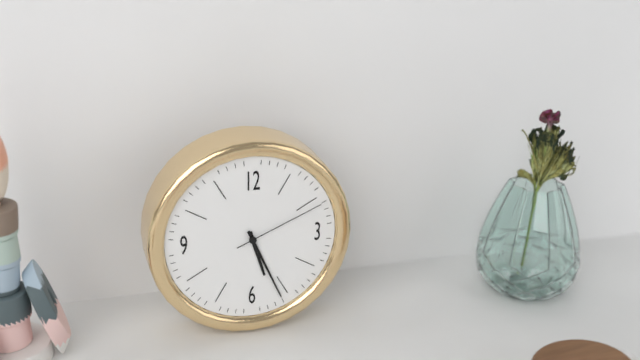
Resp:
h=5 m=26 s=11
